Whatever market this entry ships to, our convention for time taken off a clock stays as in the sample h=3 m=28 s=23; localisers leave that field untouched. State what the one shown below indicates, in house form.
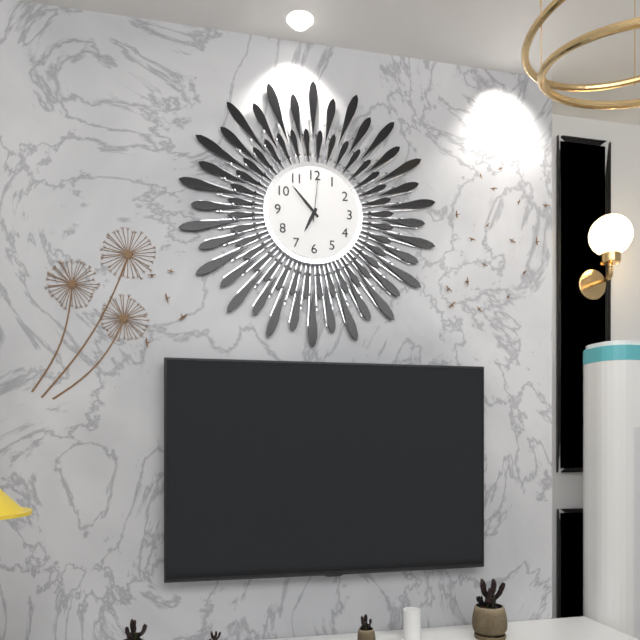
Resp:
h=6 m=53 s=1
